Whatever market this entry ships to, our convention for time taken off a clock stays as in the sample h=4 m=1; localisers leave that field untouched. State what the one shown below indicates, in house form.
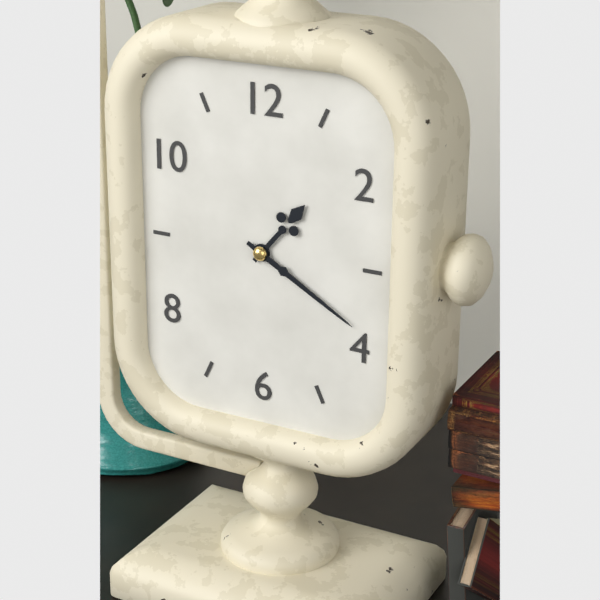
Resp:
h=1 m=20
